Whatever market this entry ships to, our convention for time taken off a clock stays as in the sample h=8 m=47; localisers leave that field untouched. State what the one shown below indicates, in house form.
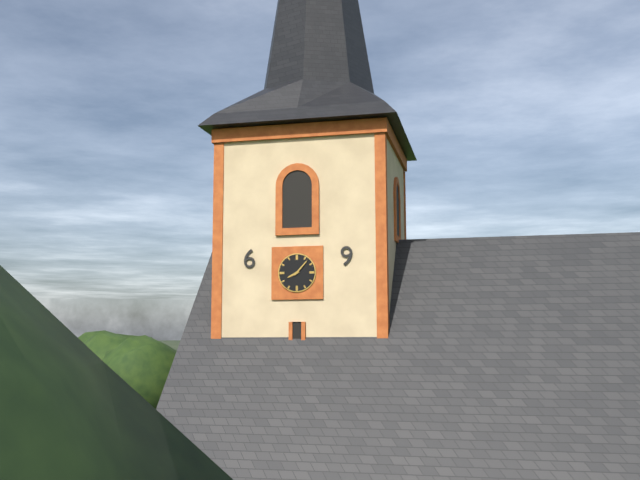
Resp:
h=8 m=7
